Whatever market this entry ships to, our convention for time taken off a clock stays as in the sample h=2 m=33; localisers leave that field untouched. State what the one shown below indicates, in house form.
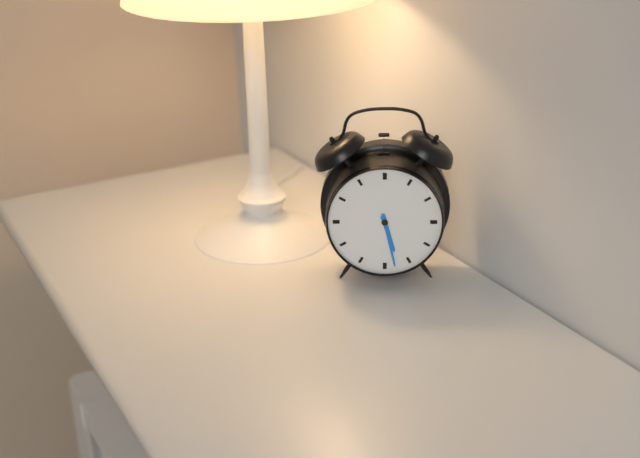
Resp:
h=5 m=28
